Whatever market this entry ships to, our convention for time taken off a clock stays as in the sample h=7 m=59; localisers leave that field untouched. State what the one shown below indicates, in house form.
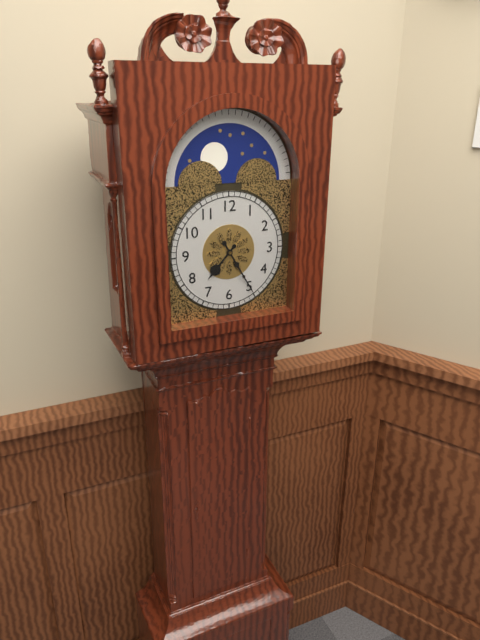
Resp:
h=7 m=25
